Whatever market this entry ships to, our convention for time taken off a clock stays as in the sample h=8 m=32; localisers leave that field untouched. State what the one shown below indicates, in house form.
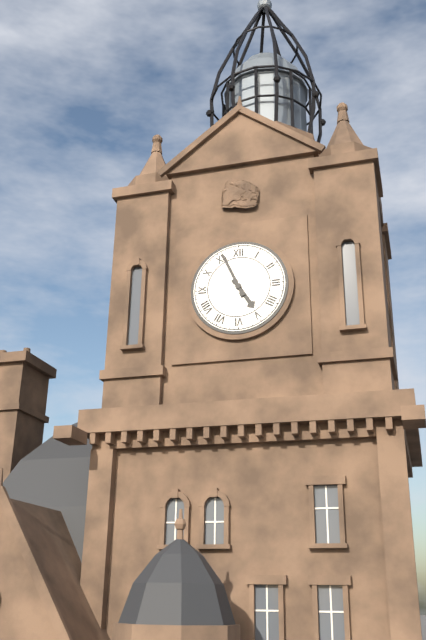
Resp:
h=4 m=56
